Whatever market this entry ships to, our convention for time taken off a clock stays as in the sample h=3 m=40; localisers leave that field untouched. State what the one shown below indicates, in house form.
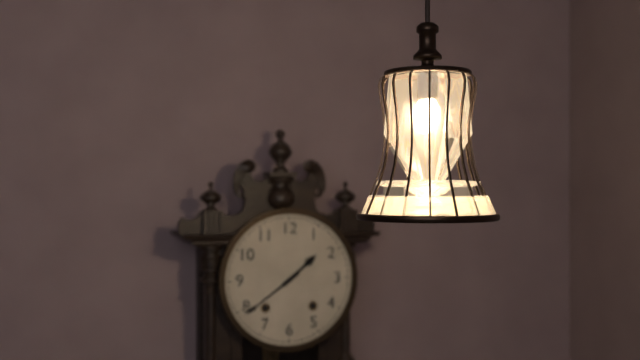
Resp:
h=1 m=39
